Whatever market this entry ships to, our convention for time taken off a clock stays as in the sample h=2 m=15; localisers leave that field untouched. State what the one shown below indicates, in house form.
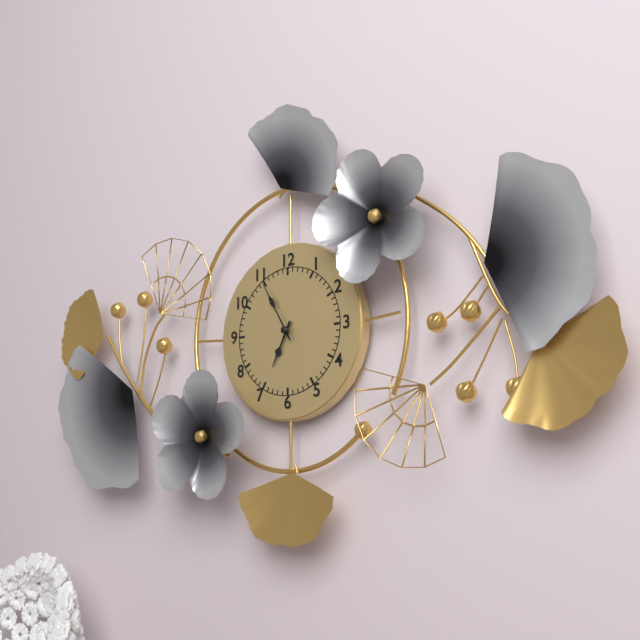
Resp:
h=6 m=55
